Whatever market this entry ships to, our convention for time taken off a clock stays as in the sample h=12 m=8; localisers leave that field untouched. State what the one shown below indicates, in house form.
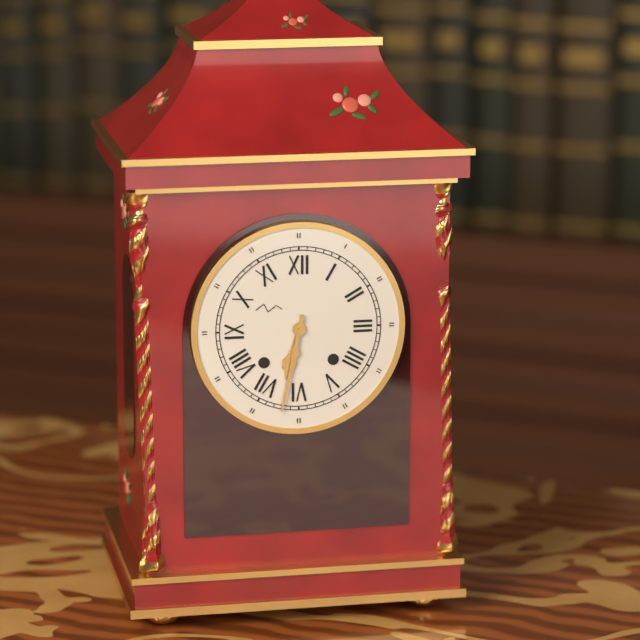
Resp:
h=6 m=32
